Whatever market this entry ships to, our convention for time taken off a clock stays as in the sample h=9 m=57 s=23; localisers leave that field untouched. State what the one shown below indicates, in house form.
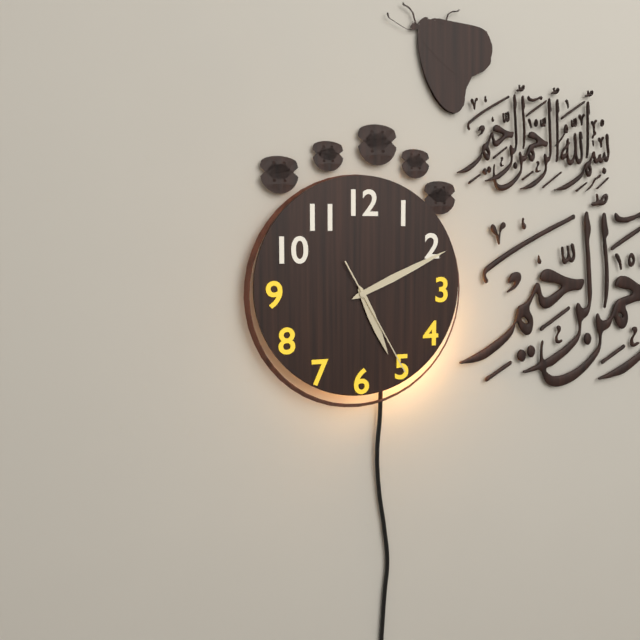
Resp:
h=5 m=11 s=25
